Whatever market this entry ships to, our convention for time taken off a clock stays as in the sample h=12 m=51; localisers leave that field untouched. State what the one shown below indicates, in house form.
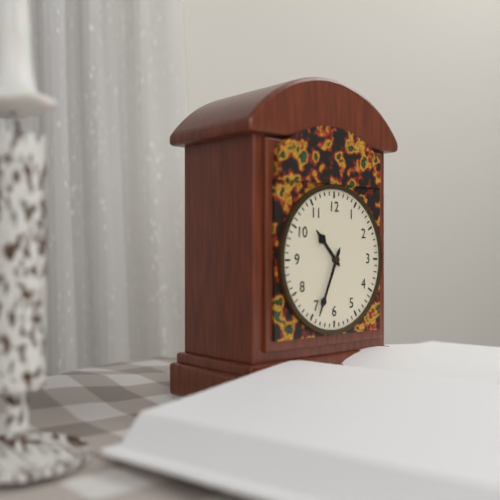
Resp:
h=10 m=34
